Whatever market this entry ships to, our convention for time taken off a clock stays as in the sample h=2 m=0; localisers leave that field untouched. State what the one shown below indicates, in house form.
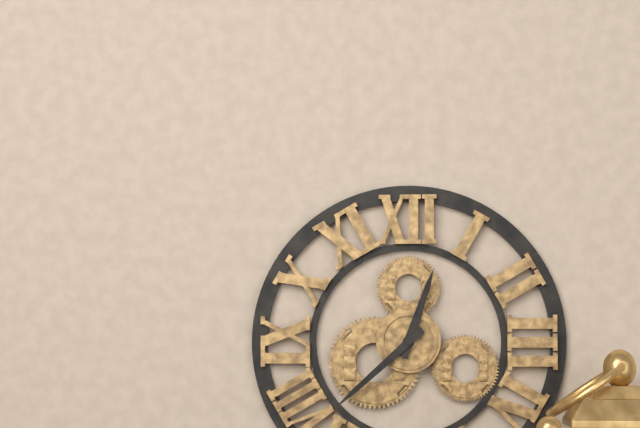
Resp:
h=12 m=38
